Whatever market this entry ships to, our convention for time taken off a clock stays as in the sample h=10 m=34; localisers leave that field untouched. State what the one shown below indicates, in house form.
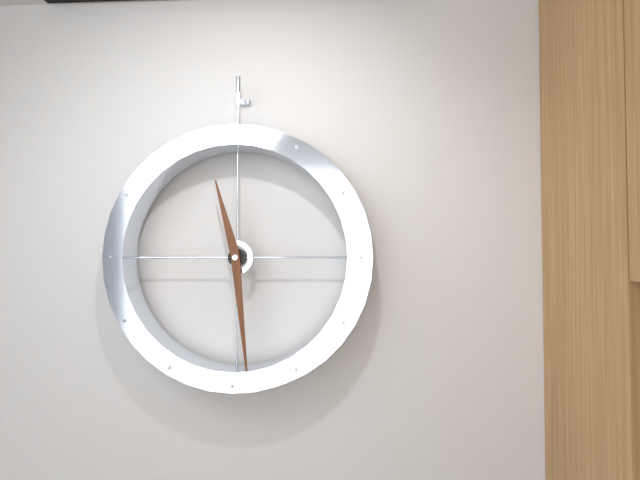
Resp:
h=11 m=29
